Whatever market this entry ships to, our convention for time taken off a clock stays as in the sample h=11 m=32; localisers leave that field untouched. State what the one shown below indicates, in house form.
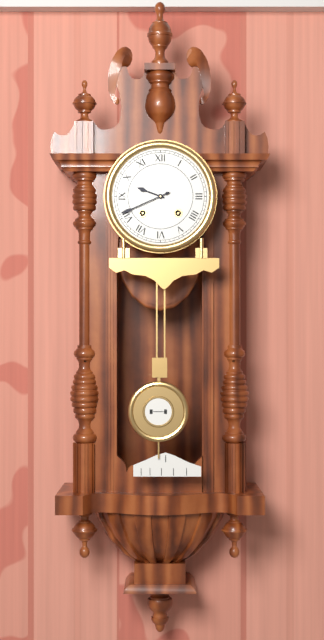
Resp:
h=9 m=41
